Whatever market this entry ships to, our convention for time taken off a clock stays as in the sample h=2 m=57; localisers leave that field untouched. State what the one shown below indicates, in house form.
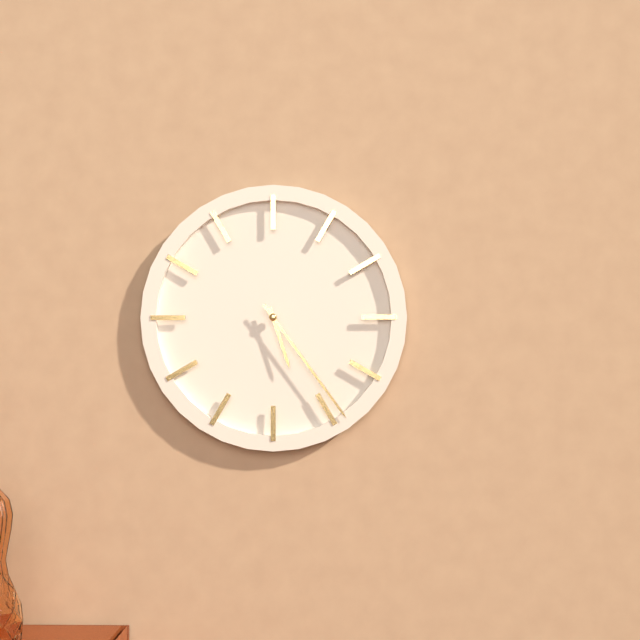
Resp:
h=5 m=24
